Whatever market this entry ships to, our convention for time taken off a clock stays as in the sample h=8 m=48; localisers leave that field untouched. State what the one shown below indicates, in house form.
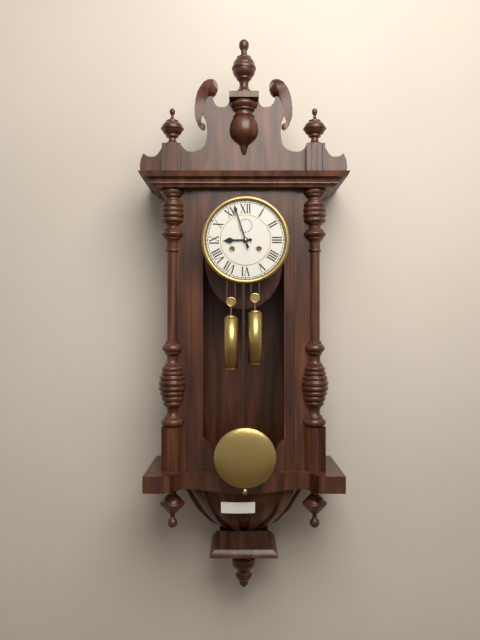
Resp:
h=8 m=57
